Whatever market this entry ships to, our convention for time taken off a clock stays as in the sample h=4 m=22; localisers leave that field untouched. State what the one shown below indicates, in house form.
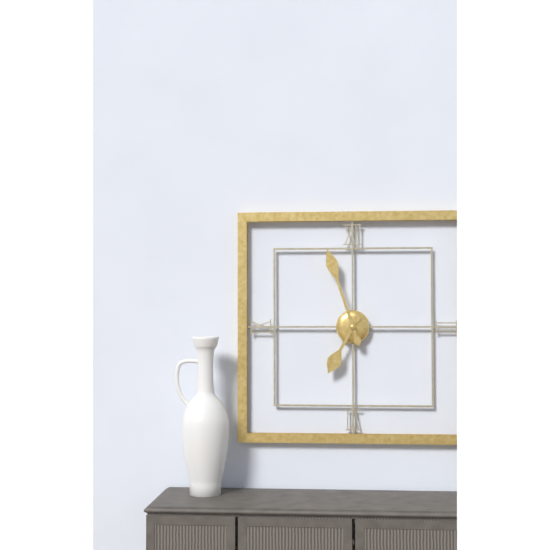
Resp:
h=6 m=57
